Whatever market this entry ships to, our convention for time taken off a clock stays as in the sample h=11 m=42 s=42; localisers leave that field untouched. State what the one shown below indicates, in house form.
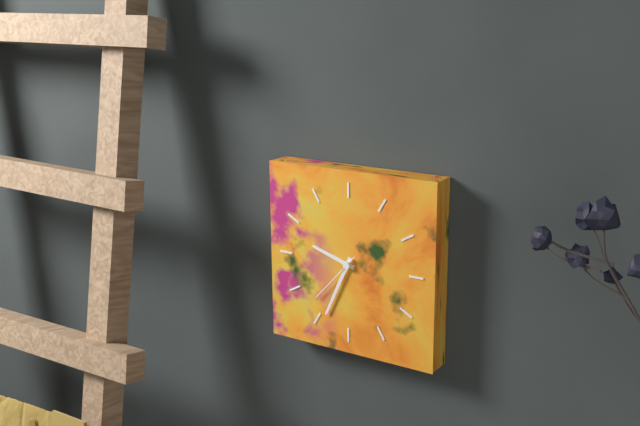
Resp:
h=9 m=34 s=37
